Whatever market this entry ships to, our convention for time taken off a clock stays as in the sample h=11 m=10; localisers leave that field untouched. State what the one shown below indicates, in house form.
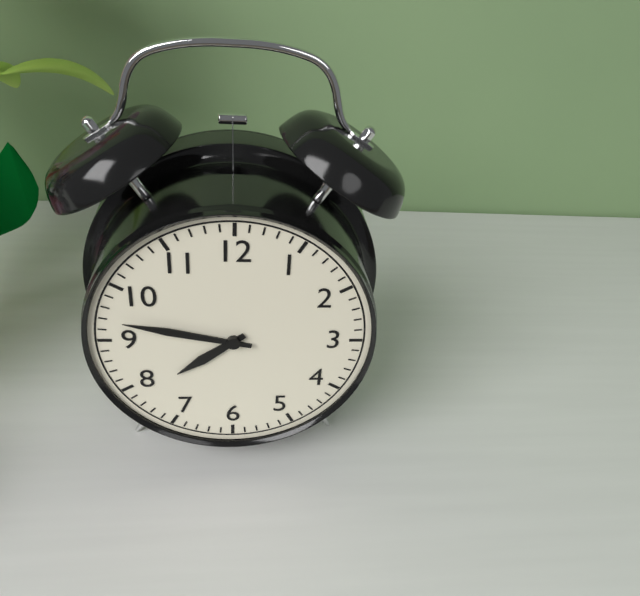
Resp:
h=7 m=47
